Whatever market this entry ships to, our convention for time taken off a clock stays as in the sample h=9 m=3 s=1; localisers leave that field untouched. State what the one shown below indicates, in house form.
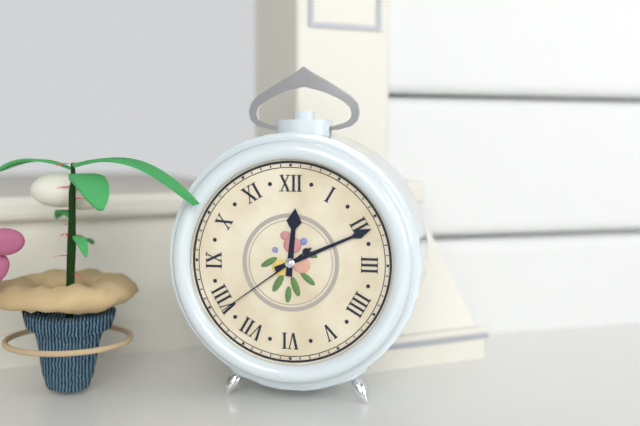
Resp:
h=12 m=11 s=39
